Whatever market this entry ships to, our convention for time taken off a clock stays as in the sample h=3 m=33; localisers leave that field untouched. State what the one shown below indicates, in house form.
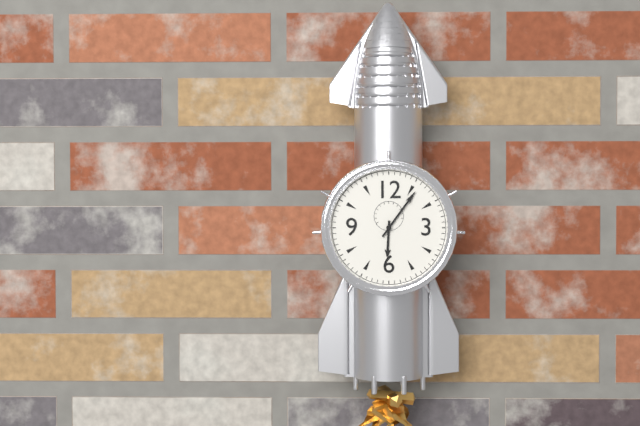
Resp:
h=6 m=6
